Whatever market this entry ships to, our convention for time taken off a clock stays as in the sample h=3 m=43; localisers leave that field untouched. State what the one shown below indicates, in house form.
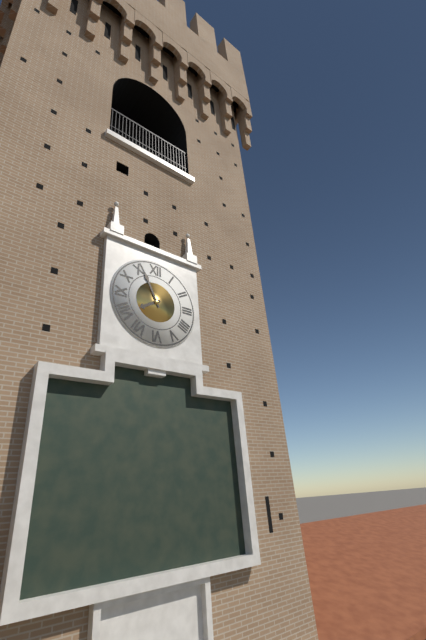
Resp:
h=7 m=56
